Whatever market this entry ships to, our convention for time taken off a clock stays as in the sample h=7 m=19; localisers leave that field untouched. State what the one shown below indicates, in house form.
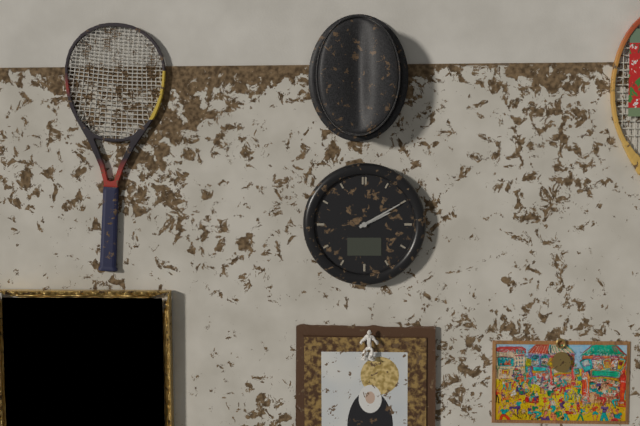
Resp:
h=2 m=10
